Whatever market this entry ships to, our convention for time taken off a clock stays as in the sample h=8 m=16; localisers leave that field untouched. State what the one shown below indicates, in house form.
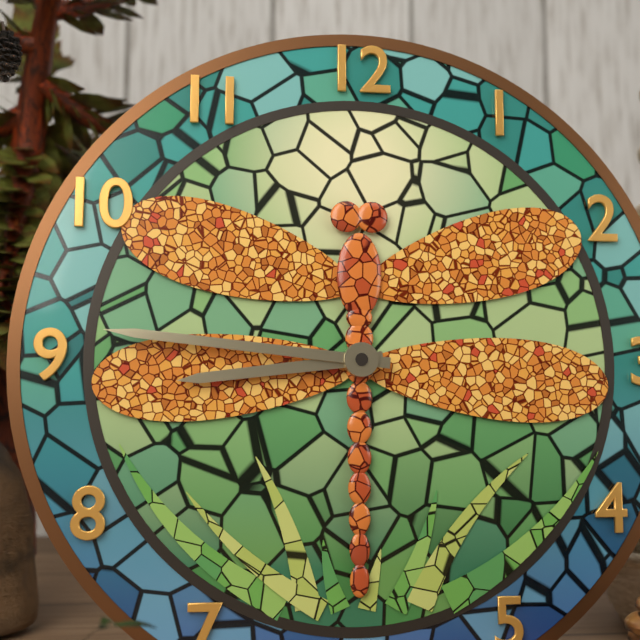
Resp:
h=8 m=46
